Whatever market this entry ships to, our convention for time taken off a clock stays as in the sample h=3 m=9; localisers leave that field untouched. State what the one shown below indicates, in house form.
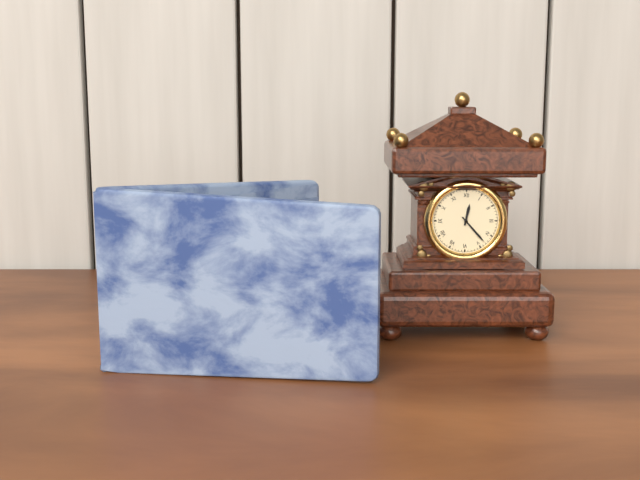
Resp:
h=12 m=23
